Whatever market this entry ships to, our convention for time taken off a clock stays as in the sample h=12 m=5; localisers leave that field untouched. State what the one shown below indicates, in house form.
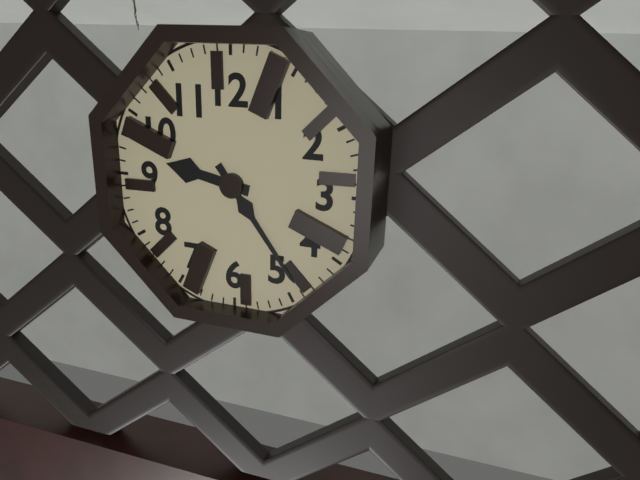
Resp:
h=9 m=24
